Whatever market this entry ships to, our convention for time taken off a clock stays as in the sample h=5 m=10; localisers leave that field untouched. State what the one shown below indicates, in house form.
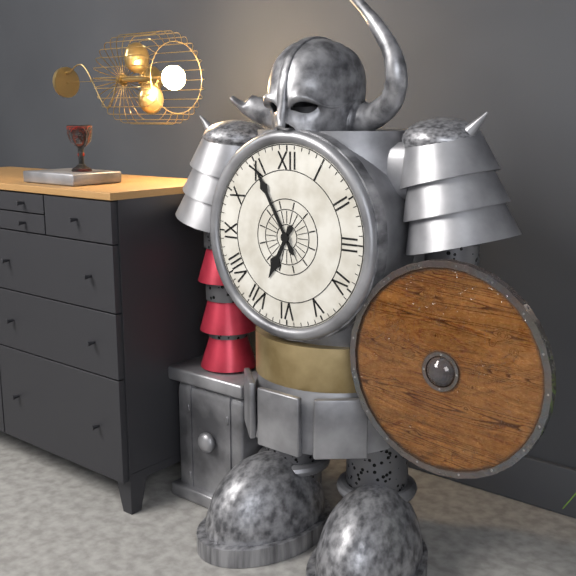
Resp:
h=6 m=55
